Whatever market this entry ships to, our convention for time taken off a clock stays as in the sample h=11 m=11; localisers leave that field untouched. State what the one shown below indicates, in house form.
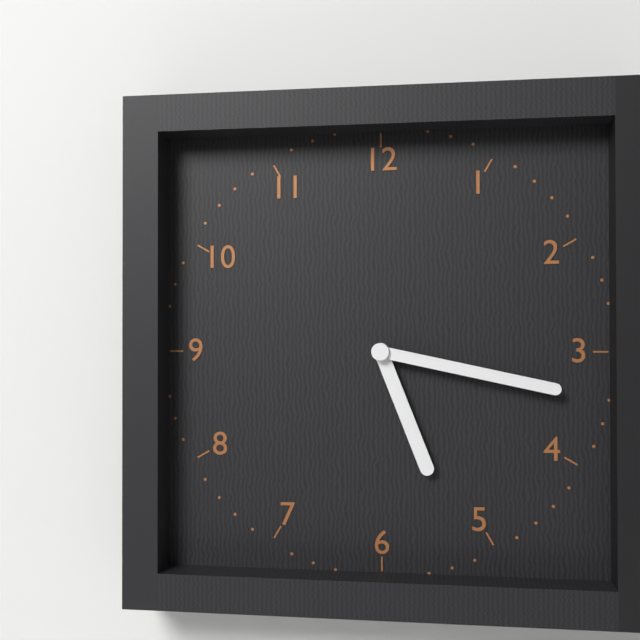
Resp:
h=5 m=17
